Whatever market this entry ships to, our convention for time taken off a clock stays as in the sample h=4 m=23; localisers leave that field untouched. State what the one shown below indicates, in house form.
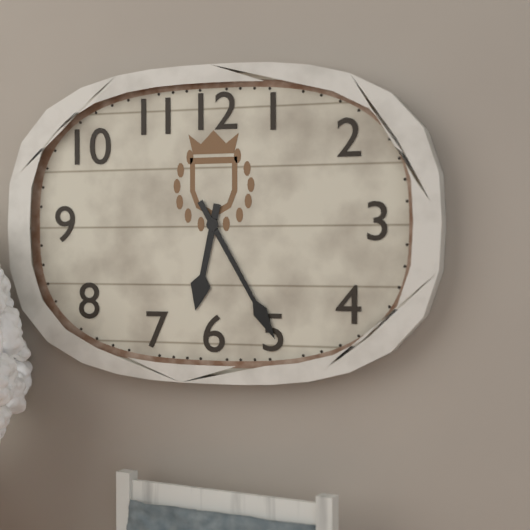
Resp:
h=6 m=25
